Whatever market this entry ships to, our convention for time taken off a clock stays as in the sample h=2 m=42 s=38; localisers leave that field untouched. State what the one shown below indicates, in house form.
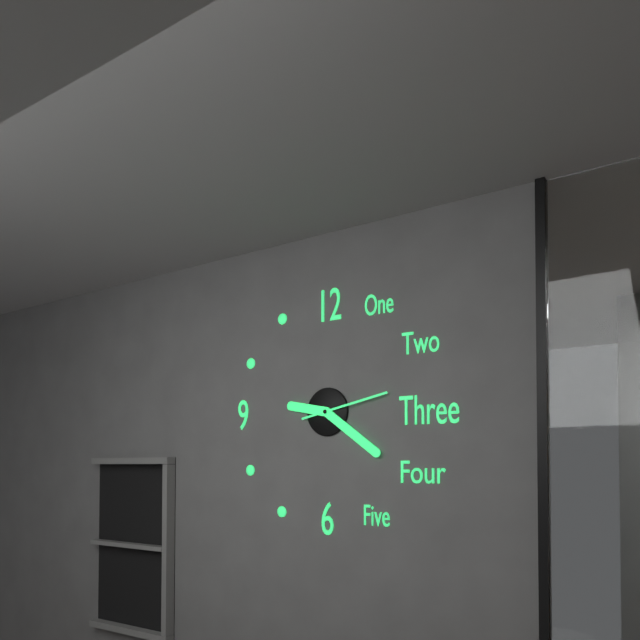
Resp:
h=9 m=21 s=13
